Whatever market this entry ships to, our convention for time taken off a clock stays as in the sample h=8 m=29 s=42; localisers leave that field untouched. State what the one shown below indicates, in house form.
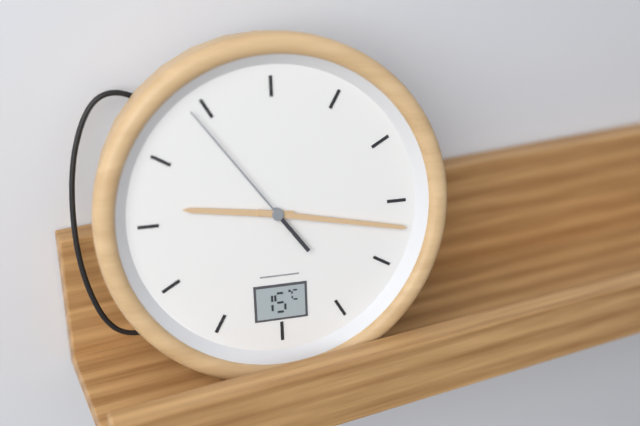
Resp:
h=9 m=17 s=54
